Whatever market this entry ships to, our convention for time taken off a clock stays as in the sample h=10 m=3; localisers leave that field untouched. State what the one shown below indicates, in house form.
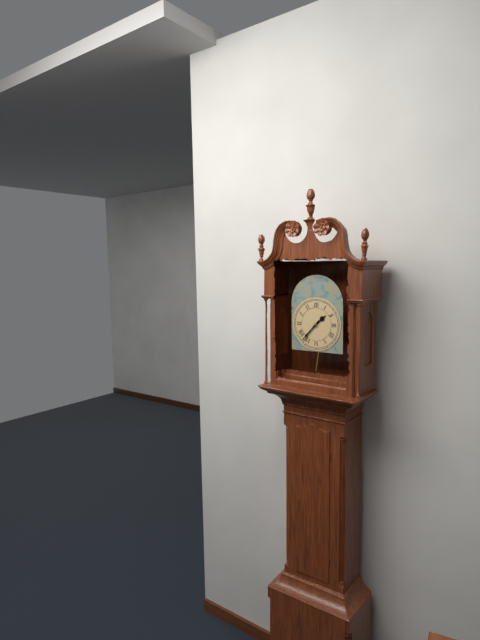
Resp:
h=1 m=37
